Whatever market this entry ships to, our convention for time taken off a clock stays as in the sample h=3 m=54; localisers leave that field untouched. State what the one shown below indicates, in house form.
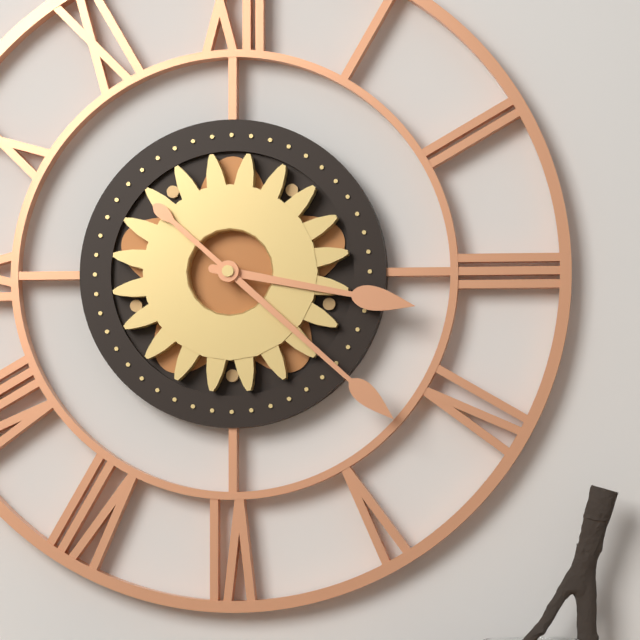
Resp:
h=3 m=22
